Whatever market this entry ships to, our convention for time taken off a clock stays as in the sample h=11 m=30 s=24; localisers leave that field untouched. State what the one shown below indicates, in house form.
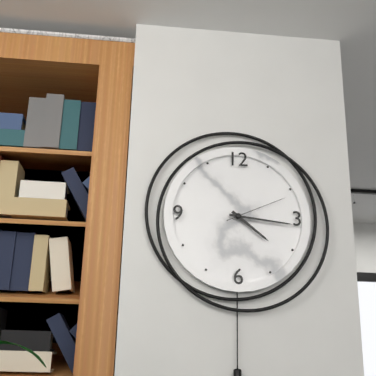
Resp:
h=4 m=16 s=11
